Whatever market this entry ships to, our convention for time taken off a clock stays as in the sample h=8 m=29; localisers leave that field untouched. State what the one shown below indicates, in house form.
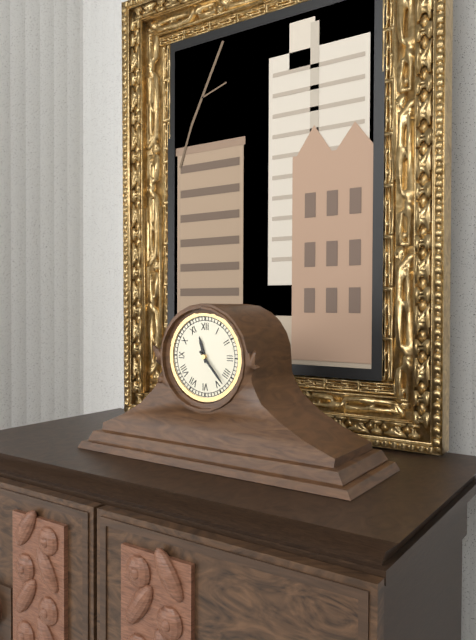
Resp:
h=11 m=23
